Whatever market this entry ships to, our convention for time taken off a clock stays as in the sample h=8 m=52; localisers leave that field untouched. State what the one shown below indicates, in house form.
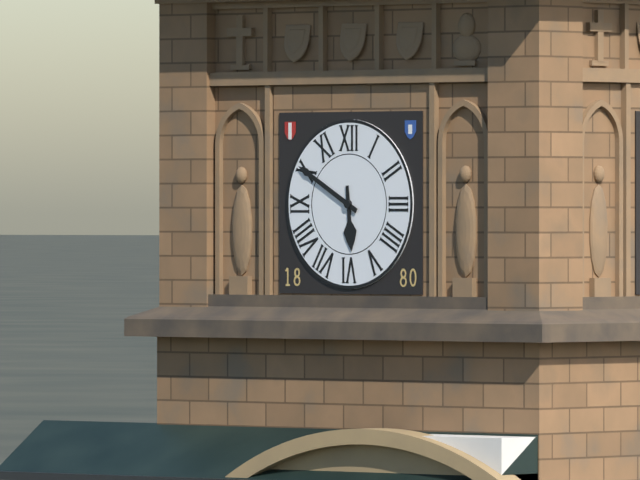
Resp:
h=5 m=50
